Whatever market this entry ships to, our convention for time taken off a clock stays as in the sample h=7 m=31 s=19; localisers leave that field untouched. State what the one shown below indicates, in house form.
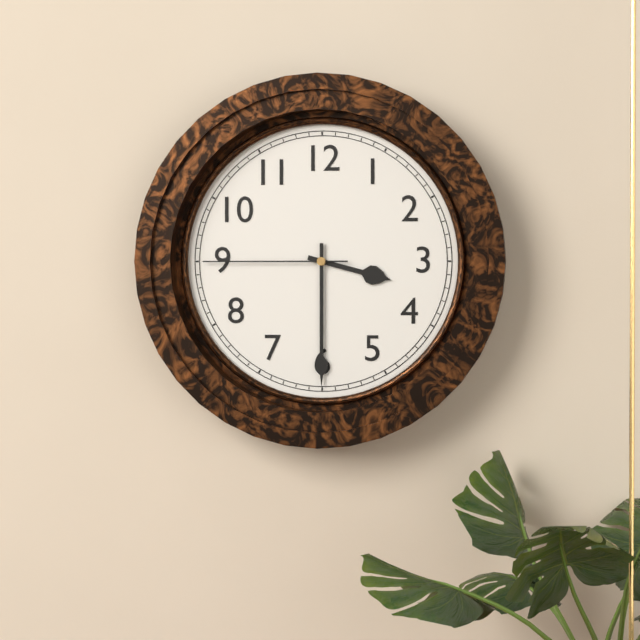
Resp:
h=3 m=30 s=45
